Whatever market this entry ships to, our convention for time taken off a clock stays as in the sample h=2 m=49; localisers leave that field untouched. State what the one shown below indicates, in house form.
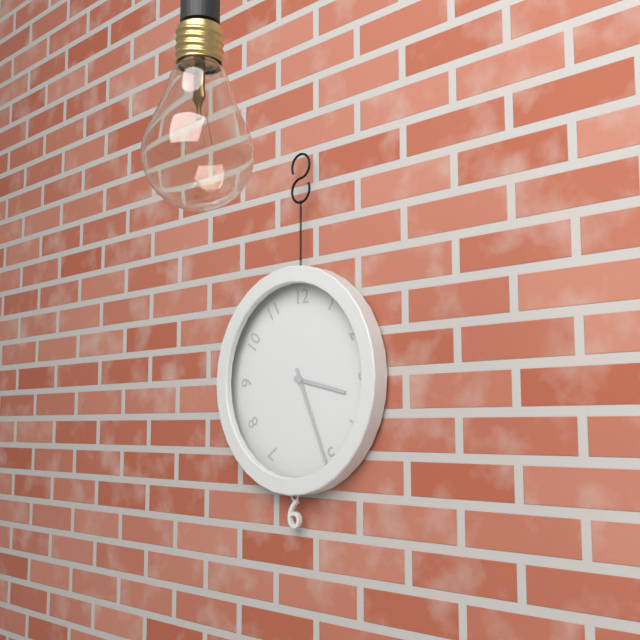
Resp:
h=3 m=26
